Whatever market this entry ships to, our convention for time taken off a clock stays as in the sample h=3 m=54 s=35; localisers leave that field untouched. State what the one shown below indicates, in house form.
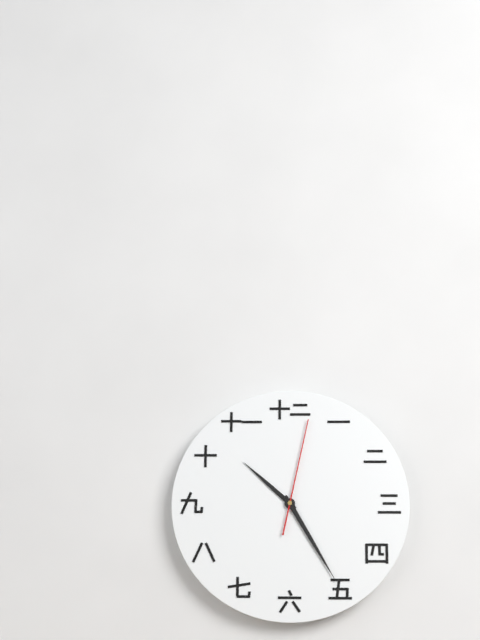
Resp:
h=10 m=25 s=2
